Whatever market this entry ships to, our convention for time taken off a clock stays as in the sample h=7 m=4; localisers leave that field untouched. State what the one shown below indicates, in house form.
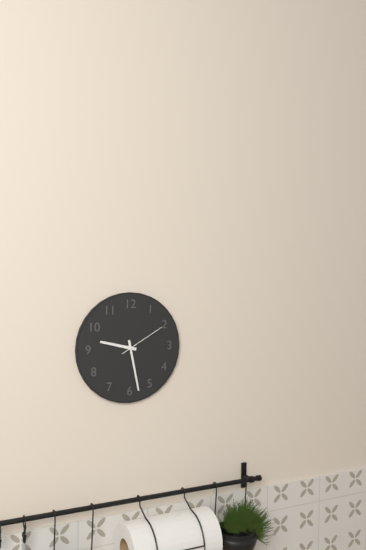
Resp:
h=9 m=28
